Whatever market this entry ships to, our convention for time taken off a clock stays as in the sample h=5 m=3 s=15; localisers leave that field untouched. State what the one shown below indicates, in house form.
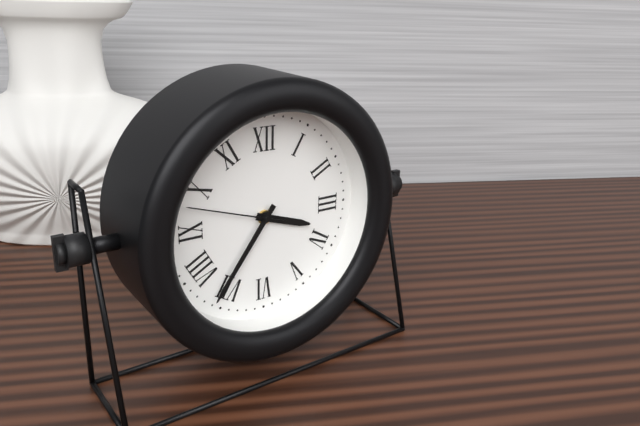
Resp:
h=3 m=36 s=48
